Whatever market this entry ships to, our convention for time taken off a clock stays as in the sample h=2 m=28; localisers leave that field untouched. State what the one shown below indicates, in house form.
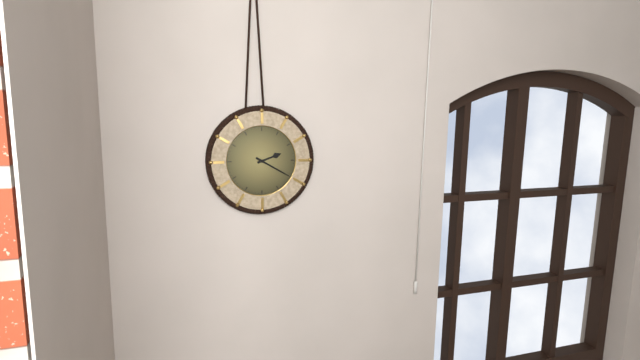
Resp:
h=2 m=20
